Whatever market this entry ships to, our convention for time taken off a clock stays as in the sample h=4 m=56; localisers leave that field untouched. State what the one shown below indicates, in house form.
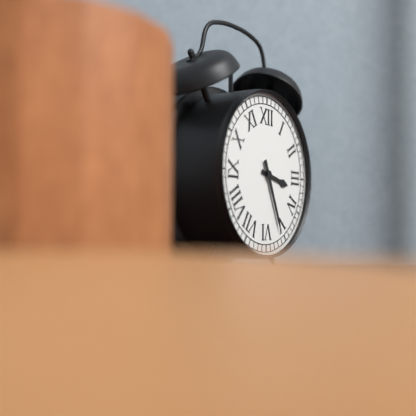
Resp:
h=3 m=26
